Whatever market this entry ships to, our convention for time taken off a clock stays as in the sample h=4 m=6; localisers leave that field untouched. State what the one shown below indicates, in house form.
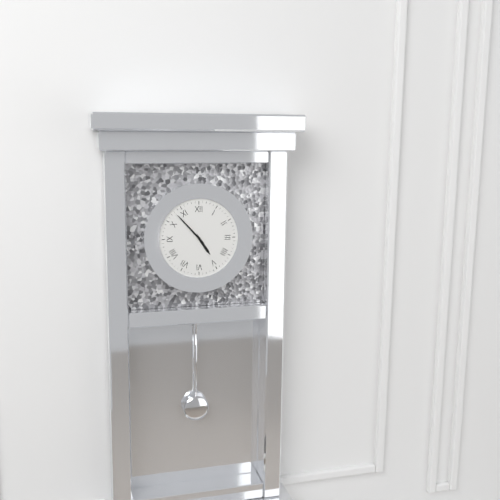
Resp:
h=4 m=53
